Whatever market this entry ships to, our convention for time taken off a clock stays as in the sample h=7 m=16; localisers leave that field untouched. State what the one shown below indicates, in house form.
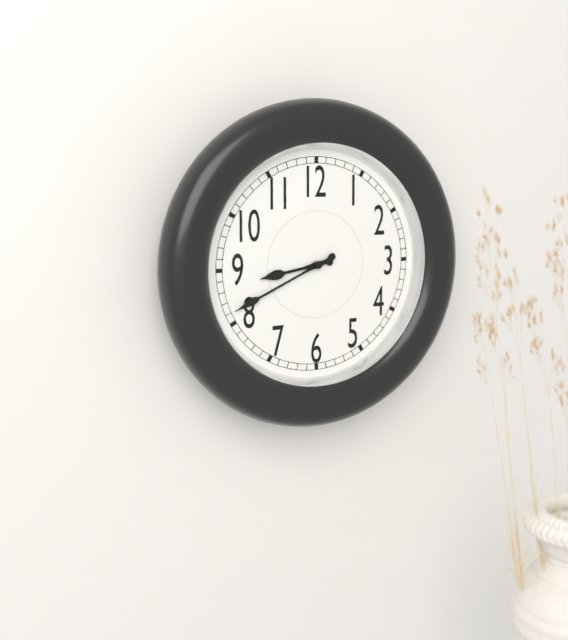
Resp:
h=8 m=41
